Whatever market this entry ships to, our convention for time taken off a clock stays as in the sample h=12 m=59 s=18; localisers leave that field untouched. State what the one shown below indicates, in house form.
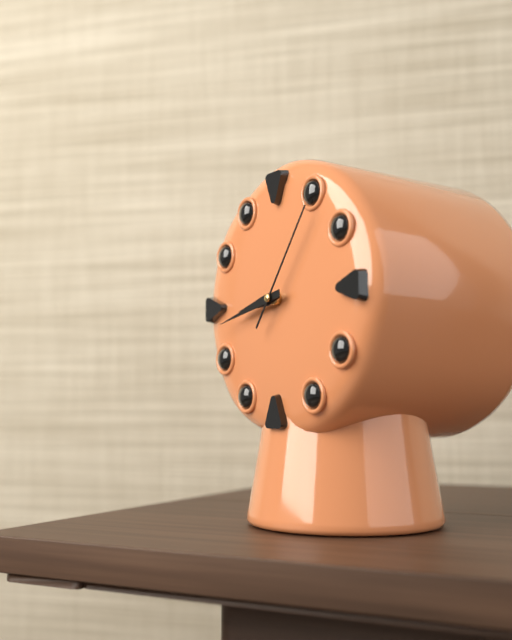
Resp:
h=8 m=43 s=6
